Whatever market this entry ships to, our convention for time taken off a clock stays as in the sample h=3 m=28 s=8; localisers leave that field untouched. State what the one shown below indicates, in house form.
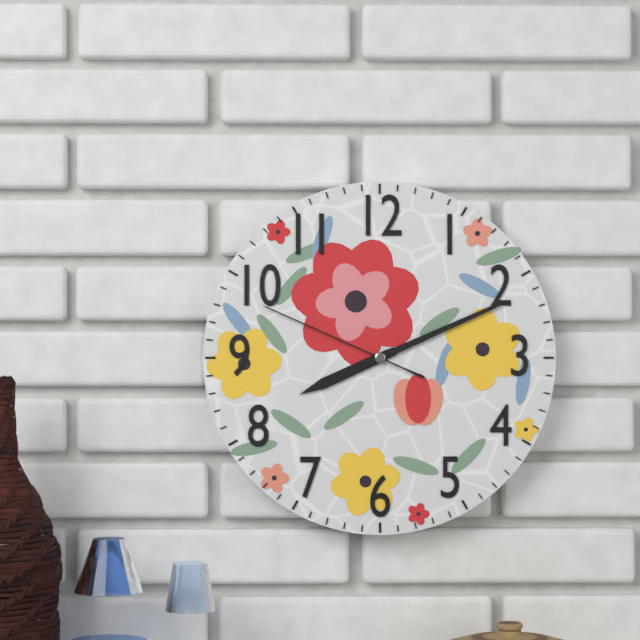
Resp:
h=8 m=11 s=49
